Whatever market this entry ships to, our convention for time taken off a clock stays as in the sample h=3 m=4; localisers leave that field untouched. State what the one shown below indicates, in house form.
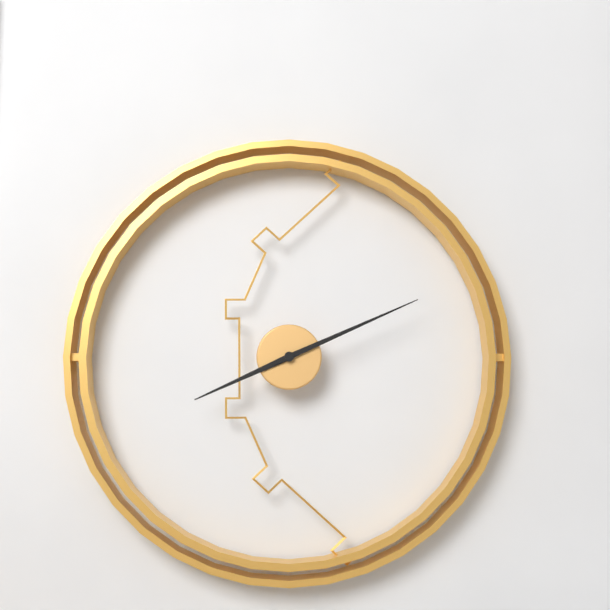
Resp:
h=8 m=11
